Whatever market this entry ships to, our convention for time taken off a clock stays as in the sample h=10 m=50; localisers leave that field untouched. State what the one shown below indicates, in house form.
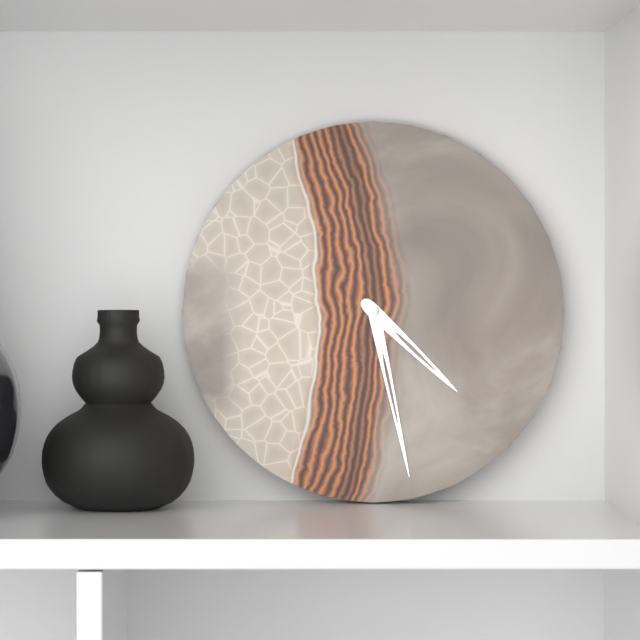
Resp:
h=4 m=28
